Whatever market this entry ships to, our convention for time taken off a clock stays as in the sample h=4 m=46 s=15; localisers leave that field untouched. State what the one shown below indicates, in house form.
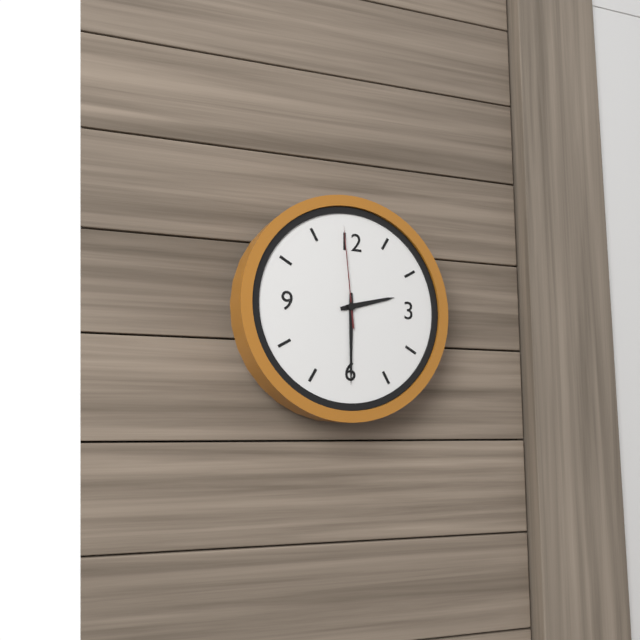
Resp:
h=2 m=30 s=59
